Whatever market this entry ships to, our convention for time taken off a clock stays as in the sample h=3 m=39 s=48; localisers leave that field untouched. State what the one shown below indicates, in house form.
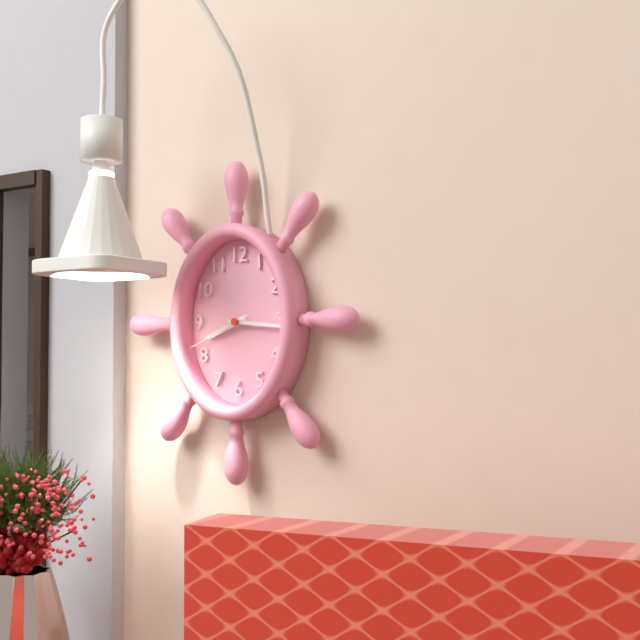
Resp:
h=8 m=16 s=41
